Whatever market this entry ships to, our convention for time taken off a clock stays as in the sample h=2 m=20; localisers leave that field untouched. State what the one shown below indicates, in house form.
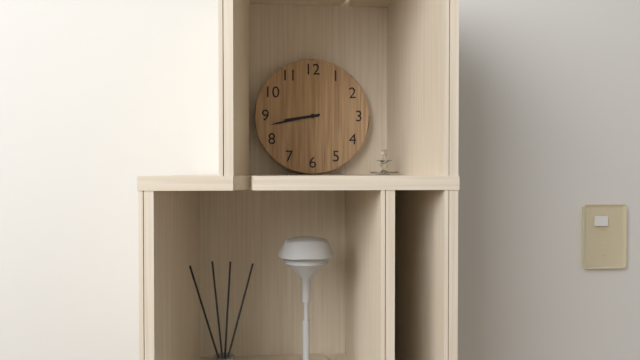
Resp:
h=8 m=43
